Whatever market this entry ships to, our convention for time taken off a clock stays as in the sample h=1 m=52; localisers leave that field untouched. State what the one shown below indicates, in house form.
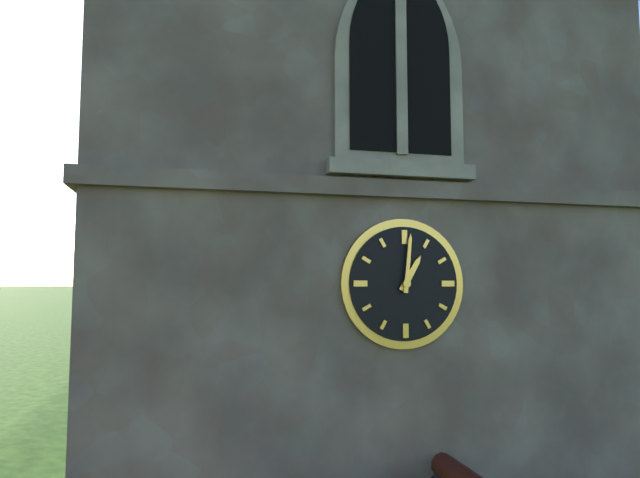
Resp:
h=1 m=1
